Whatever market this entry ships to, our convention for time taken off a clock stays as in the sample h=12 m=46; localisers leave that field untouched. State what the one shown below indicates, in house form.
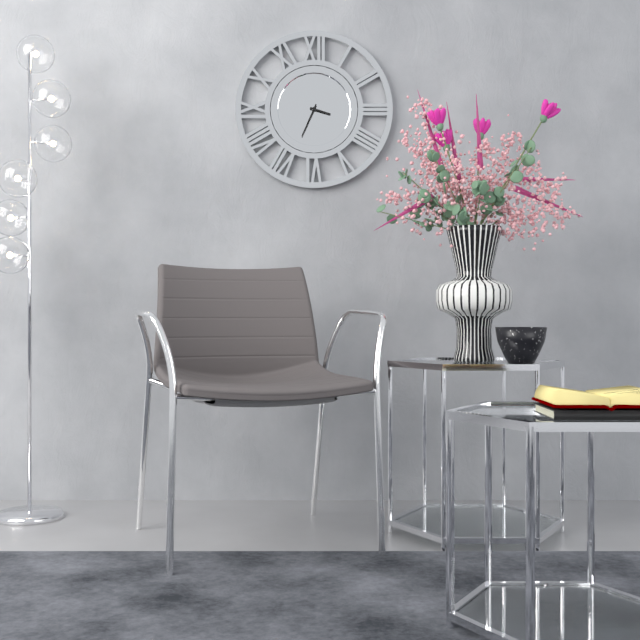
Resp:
h=3 m=34
